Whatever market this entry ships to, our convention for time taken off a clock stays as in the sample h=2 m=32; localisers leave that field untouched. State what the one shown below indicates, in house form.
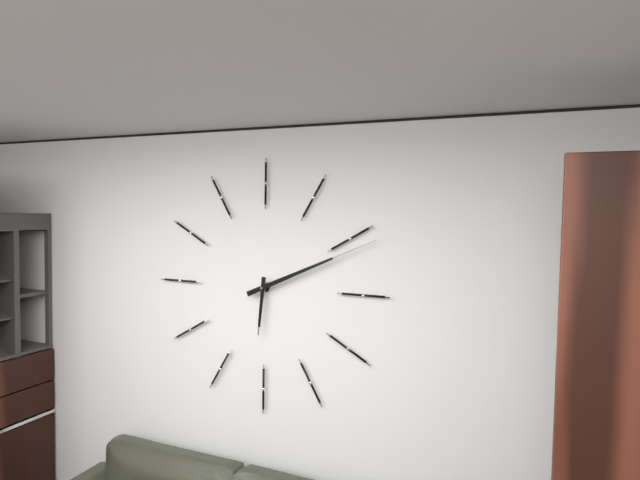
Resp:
h=6 m=11
